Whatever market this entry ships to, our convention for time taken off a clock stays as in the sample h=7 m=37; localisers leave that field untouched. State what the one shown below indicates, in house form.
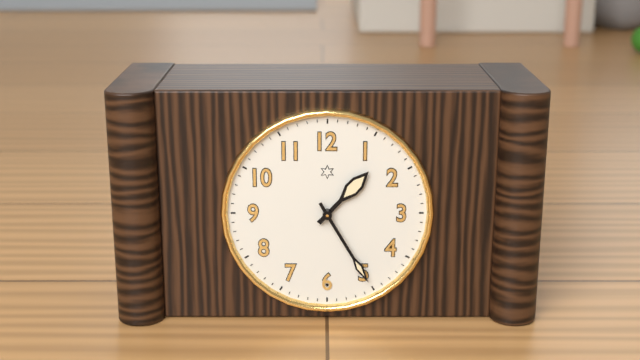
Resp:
h=1 m=25
